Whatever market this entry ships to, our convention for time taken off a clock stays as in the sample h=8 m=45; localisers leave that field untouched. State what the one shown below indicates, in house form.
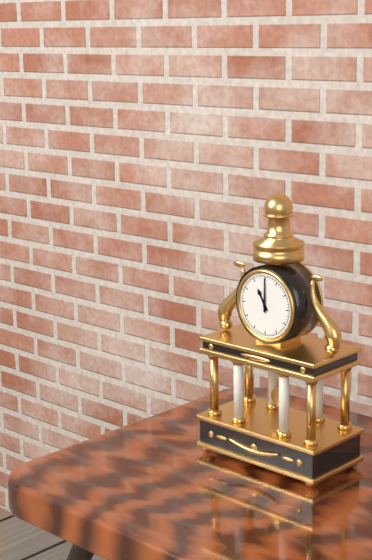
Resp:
h=11 m=0
